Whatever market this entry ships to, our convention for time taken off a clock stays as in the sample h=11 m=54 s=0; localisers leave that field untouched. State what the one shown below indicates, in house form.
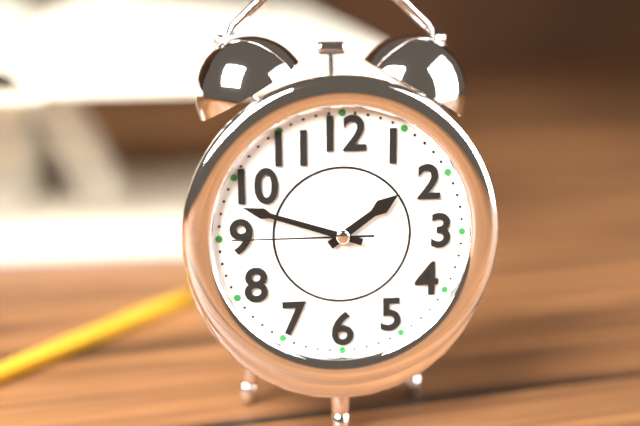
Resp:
h=1 m=48 s=45
